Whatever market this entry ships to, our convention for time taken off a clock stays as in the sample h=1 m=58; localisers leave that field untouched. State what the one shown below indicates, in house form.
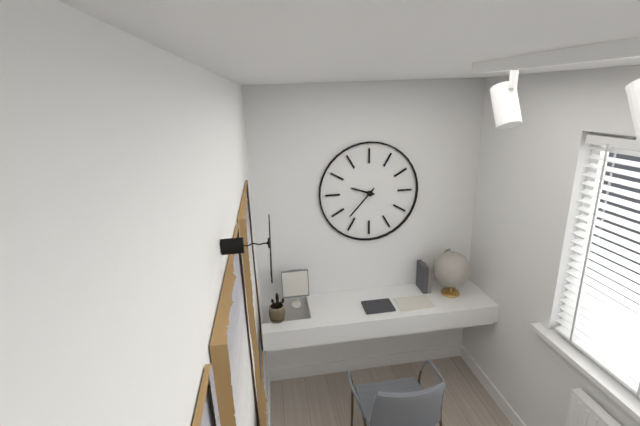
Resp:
h=9 m=37
